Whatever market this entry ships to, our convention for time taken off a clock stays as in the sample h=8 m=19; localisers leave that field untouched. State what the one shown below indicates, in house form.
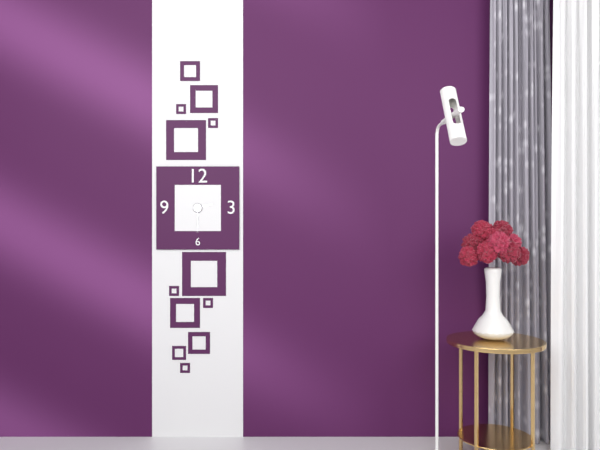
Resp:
h=2 m=30
